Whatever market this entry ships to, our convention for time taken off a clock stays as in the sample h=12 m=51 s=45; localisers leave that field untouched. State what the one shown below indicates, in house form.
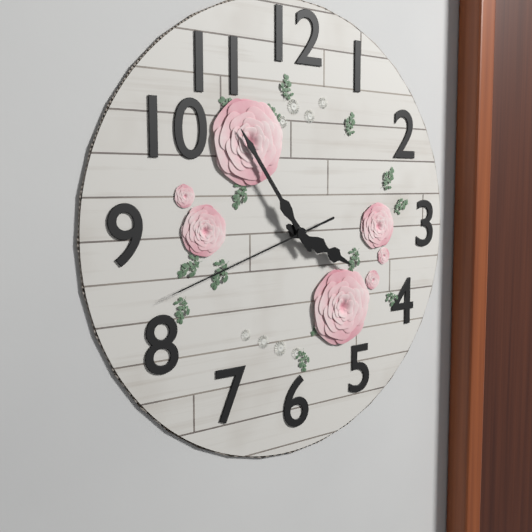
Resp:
h=3 m=54 s=42
